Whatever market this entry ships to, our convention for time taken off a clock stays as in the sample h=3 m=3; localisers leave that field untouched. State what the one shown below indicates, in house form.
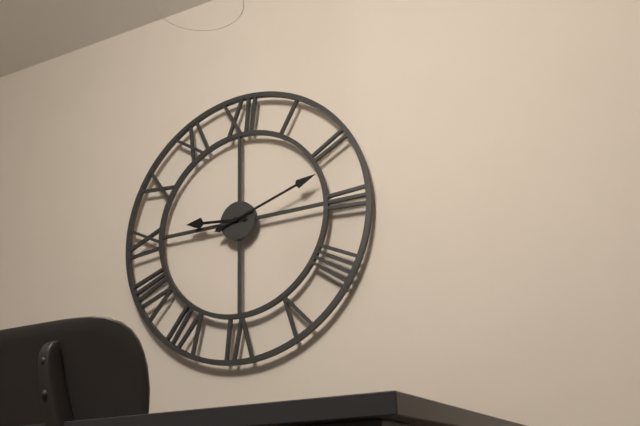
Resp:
h=9 m=12
